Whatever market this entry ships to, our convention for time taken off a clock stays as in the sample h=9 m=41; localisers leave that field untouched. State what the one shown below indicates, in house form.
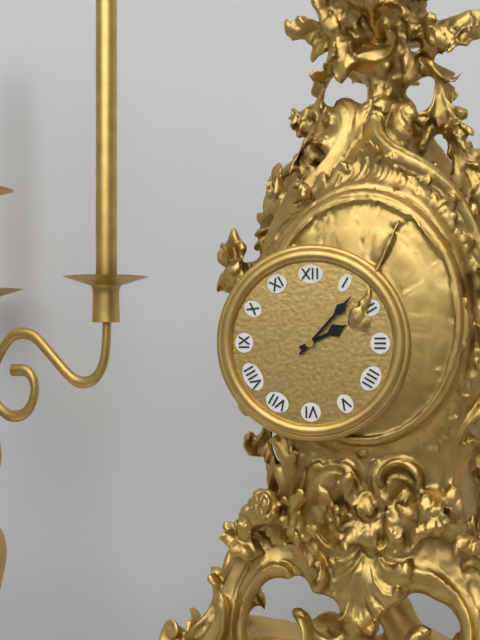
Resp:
h=2 m=7
